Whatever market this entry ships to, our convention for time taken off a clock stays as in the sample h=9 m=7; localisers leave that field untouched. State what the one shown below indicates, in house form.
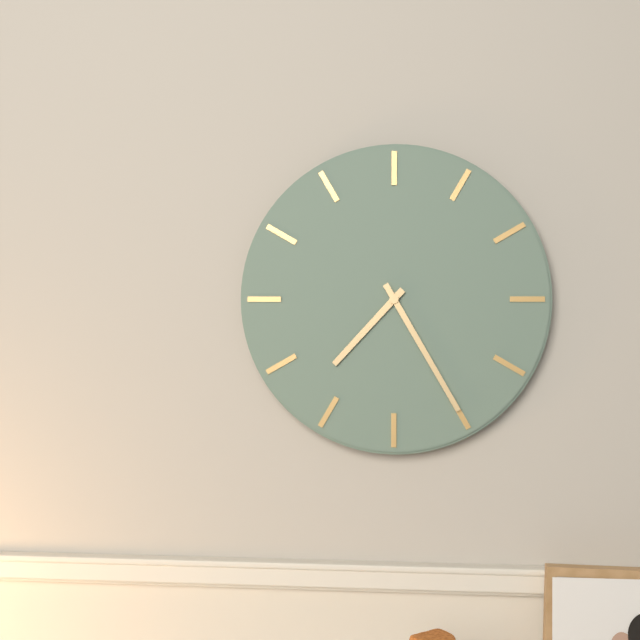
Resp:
h=7 m=25
